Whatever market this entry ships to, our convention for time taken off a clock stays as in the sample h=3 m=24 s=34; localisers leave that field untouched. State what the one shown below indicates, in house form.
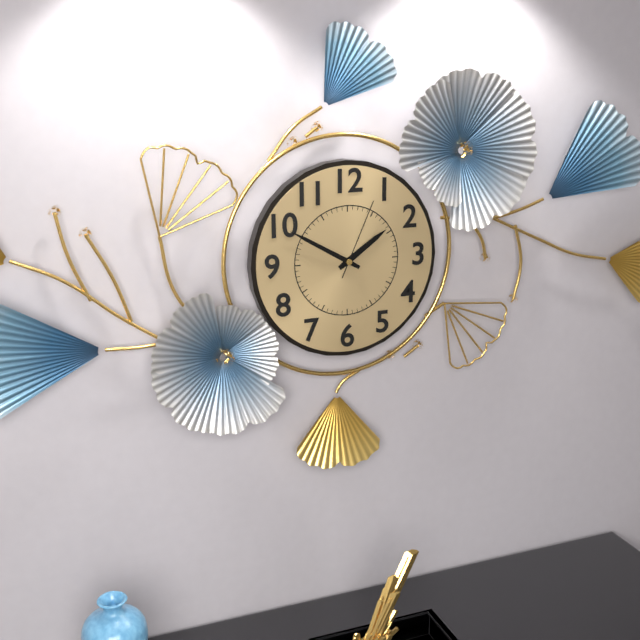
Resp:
h=1 m=50 s=4
